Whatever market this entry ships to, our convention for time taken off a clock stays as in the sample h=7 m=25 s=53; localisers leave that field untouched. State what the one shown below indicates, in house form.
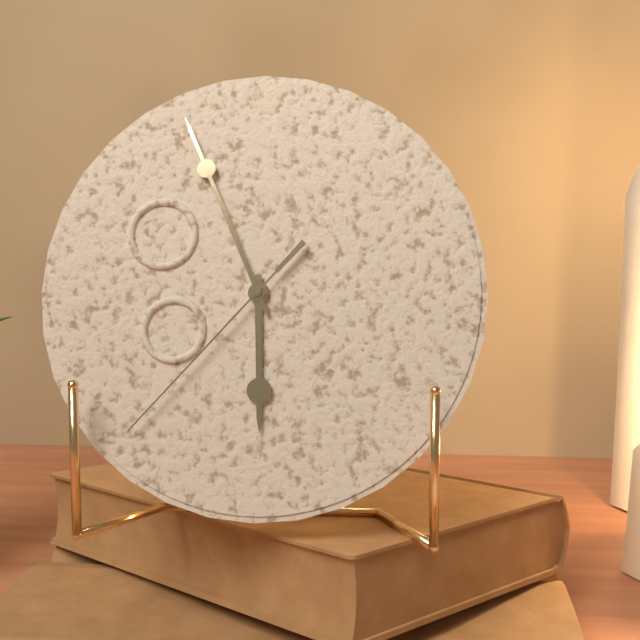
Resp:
h=5 m=56 s=37
